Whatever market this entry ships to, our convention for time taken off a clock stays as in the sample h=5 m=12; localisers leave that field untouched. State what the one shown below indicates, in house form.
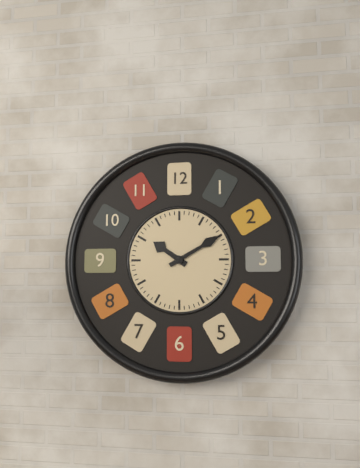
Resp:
h=10 m=10
